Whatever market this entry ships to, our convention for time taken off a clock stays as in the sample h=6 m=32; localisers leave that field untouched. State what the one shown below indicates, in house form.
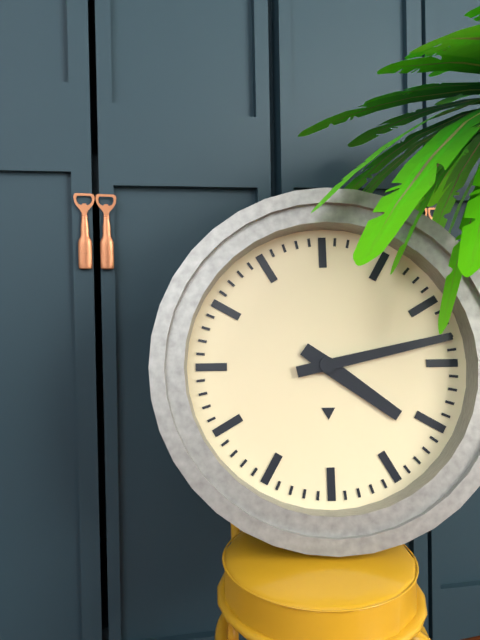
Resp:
h=4 m=13
